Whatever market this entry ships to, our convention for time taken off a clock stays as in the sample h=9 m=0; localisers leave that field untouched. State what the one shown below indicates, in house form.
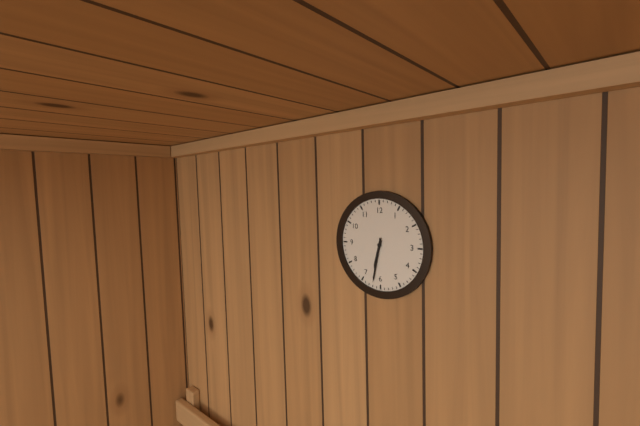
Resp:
h=6 m=32
